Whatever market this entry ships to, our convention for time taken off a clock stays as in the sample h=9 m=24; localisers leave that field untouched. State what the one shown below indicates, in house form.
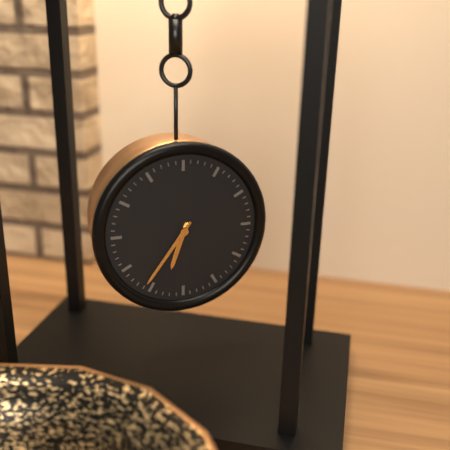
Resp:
h=6 m=36
